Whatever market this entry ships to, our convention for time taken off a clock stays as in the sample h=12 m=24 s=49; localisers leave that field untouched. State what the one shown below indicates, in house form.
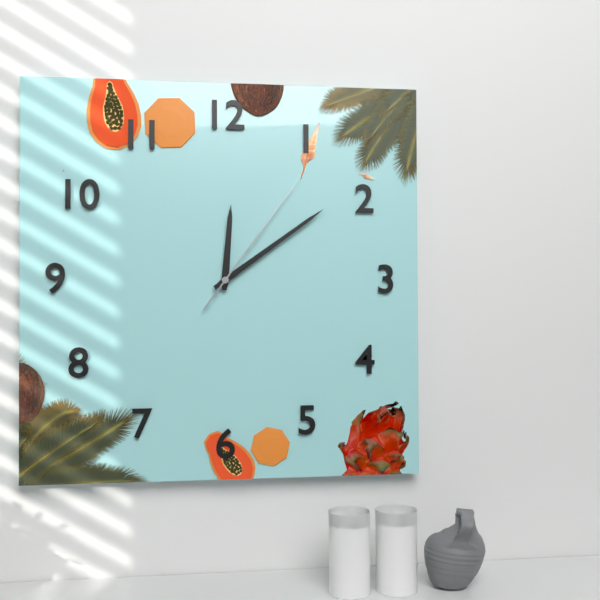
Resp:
h=12 m=9 s=6
